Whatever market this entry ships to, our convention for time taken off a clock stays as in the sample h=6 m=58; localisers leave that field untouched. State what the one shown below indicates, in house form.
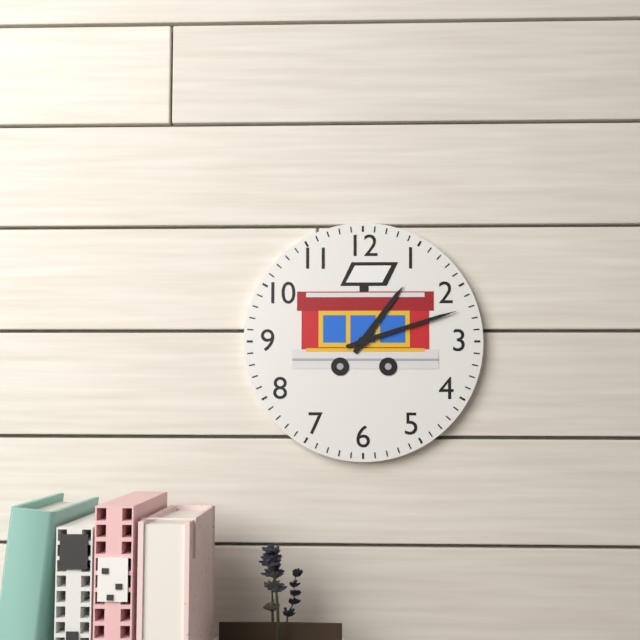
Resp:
h=1 m=12
